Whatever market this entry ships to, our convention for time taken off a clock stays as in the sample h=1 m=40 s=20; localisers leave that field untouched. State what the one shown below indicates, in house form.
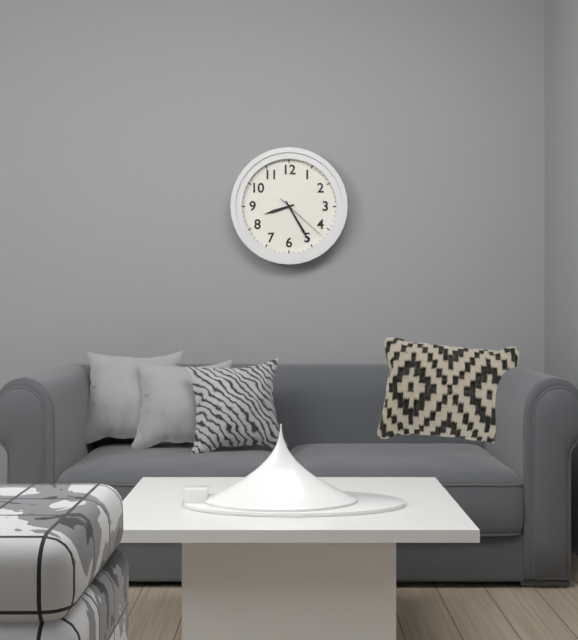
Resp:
h=8 m=25 s=22
